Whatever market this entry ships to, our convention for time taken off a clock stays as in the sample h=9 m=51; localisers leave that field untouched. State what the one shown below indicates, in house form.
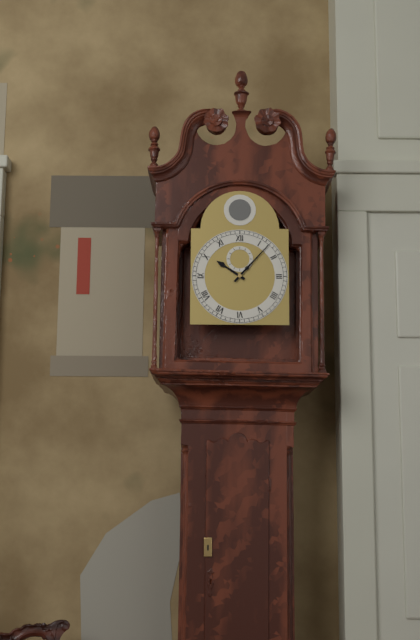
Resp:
h=10 m=7
